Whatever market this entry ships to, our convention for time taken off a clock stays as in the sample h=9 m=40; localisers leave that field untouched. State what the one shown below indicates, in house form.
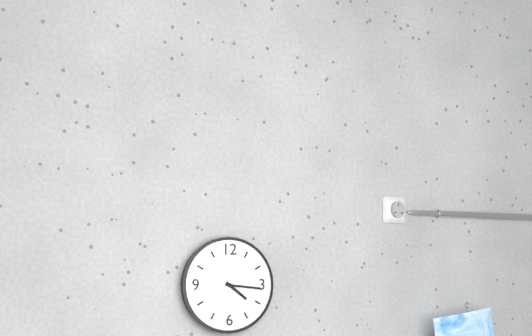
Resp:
h=4 m=16
